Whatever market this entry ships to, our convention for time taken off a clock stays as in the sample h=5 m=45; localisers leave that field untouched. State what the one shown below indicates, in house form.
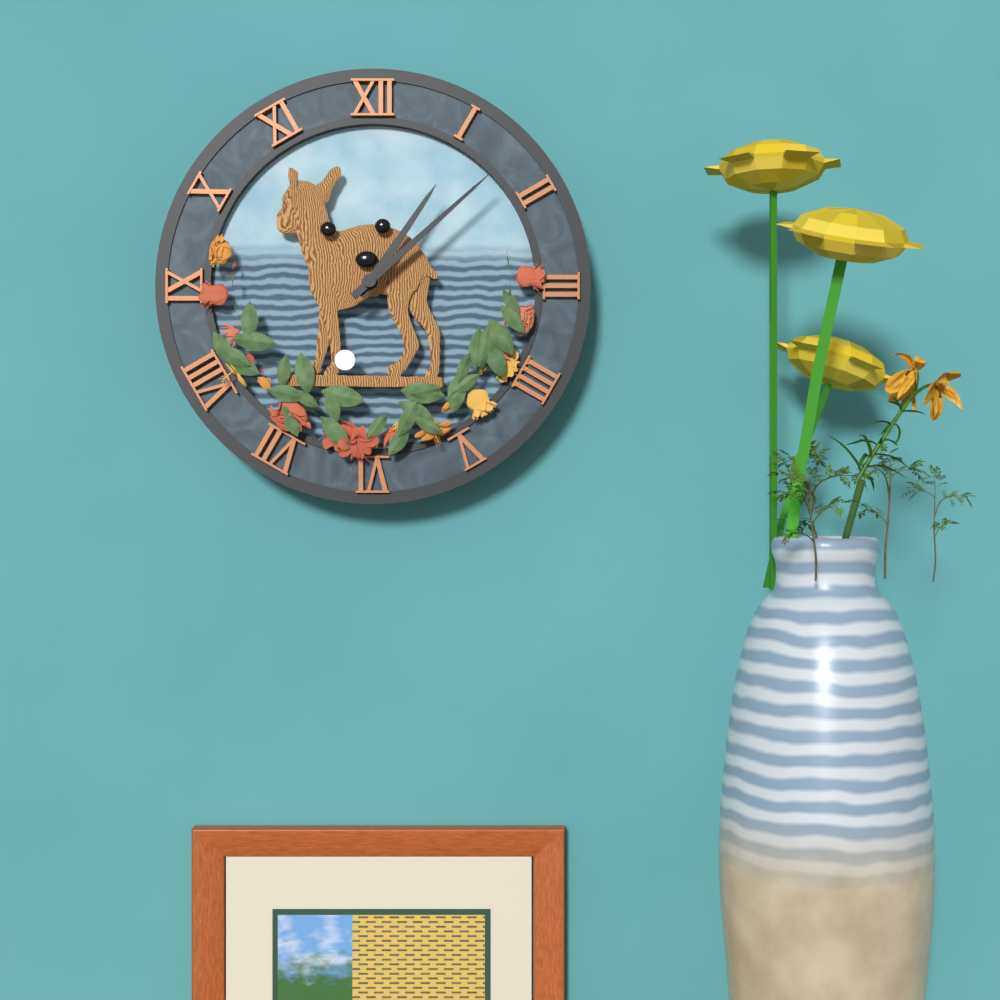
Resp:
h=1 m=8
